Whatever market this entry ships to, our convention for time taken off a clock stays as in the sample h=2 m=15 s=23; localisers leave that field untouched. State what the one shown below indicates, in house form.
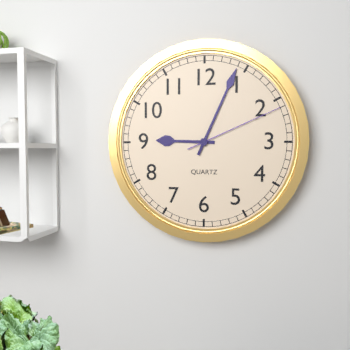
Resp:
h=9 m=4 s=11
